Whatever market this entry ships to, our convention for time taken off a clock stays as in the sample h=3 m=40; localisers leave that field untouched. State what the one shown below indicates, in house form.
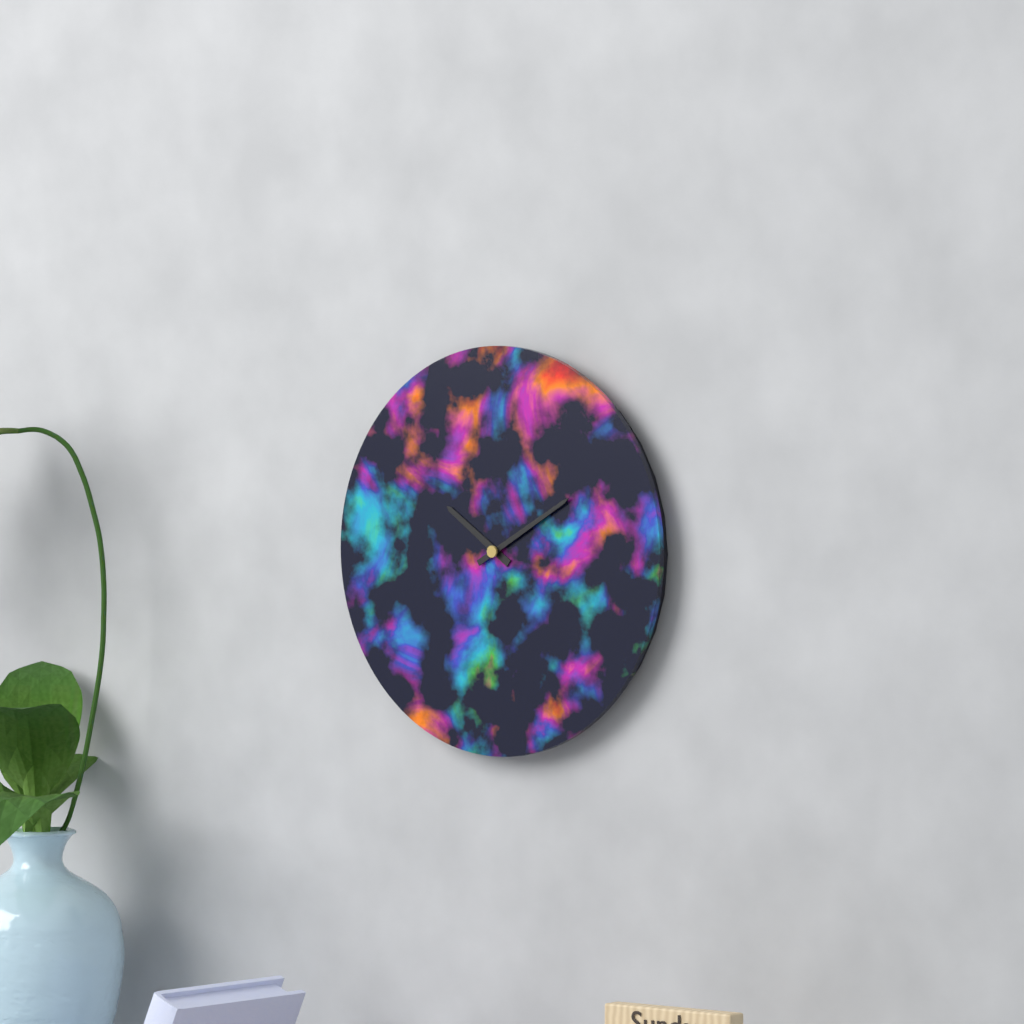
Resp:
h=10 m=10
